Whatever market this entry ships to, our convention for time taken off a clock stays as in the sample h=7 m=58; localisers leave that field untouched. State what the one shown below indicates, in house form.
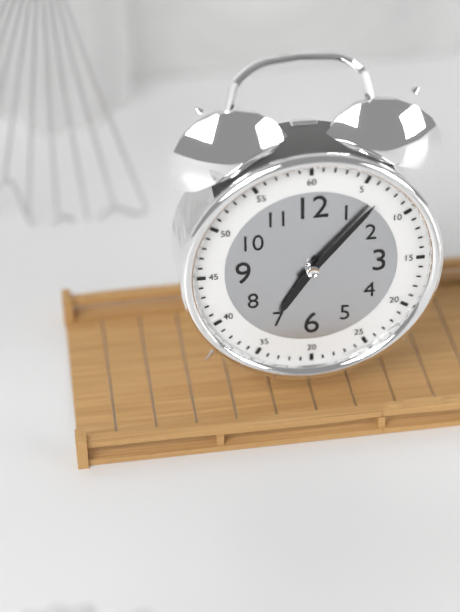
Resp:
h=7 m=7
